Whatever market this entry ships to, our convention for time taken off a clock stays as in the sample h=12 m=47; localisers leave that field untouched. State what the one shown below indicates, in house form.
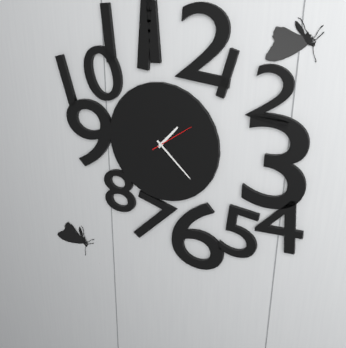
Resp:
h=1 m=22
